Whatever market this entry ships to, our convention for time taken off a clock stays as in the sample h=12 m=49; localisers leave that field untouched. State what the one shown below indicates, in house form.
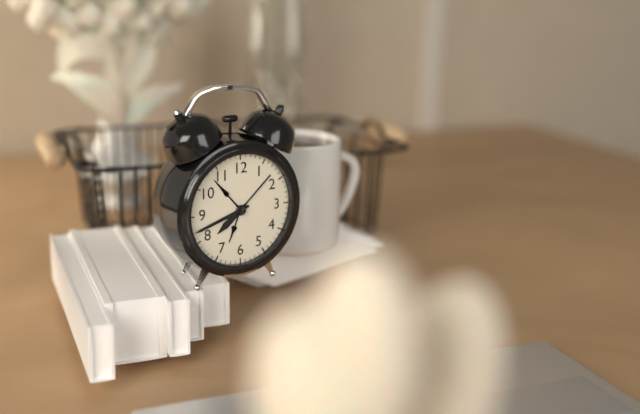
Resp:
h=7 m=42
